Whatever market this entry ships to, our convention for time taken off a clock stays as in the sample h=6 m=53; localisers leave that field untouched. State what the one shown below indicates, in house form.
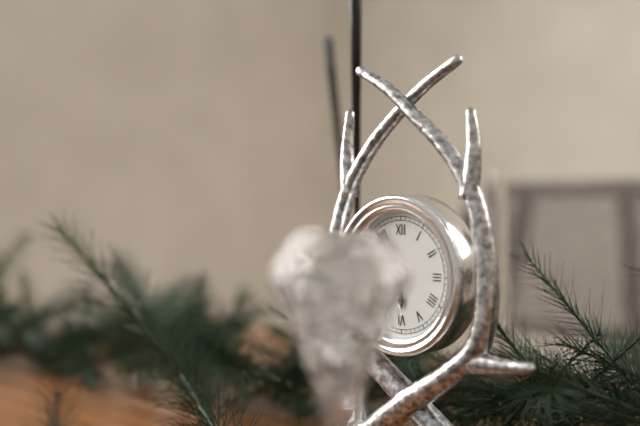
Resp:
h=5 m=54
